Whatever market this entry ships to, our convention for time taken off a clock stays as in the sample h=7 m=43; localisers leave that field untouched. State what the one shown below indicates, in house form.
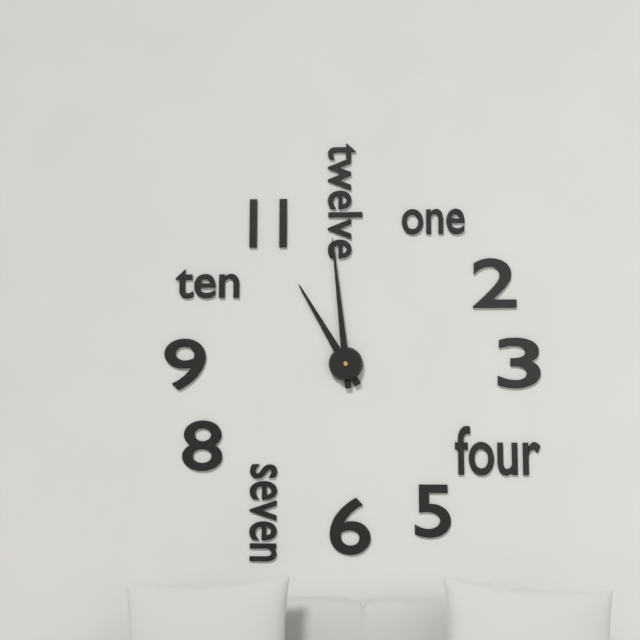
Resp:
h=10 m=59
